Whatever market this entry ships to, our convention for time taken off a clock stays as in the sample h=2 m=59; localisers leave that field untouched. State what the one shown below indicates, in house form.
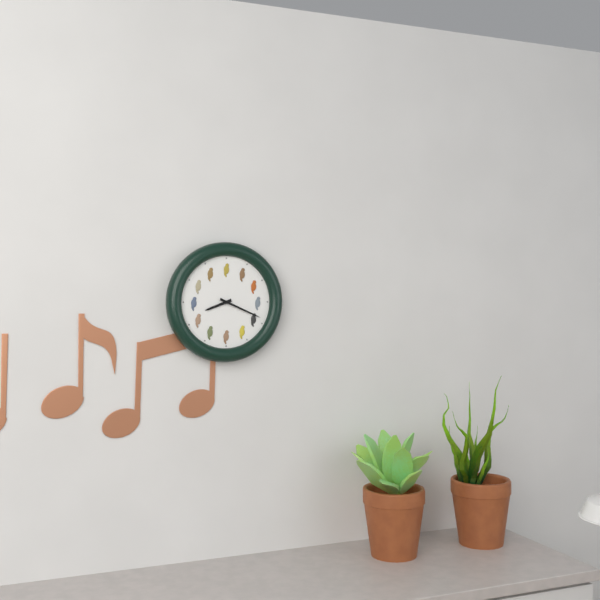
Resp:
h=8 m=19
